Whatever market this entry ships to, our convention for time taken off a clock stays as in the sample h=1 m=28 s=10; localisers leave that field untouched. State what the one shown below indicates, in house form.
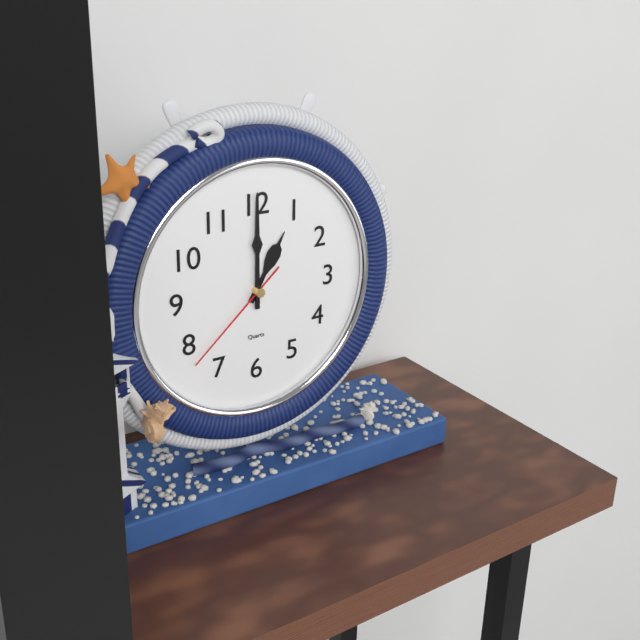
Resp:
h=1 m=0 s=38
